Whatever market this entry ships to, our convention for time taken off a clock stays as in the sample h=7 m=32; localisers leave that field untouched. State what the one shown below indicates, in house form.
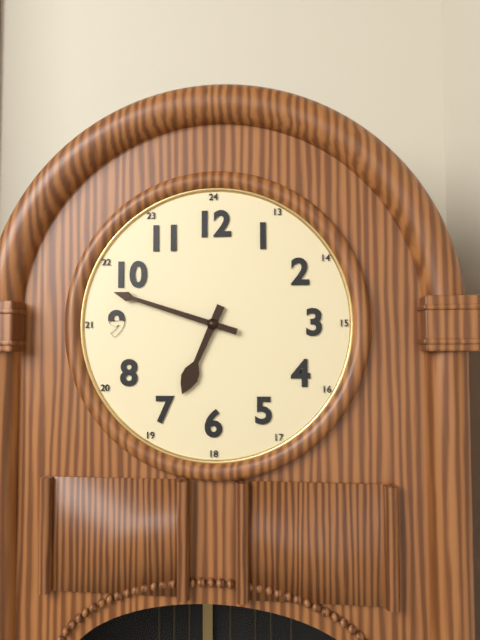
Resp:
h=6 m=48
